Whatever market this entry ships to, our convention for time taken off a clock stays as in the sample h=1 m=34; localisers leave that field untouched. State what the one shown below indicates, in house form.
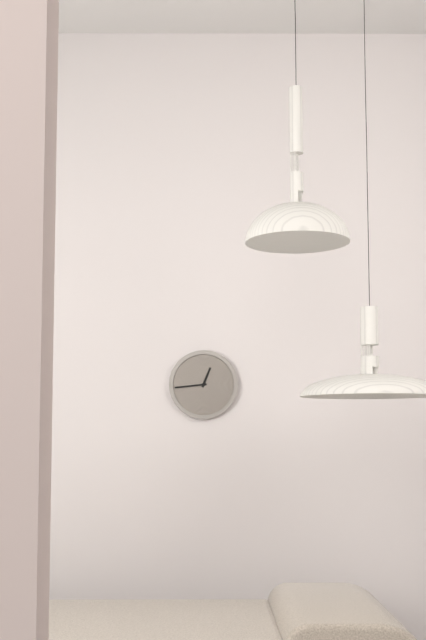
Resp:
h=12 m=44
